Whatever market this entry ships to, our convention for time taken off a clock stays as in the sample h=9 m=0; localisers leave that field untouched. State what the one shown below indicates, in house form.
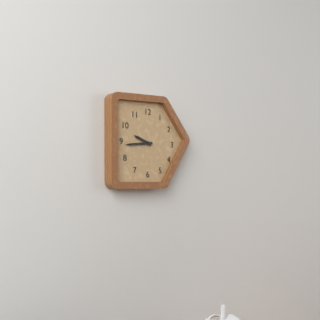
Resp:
h=9 m=44
